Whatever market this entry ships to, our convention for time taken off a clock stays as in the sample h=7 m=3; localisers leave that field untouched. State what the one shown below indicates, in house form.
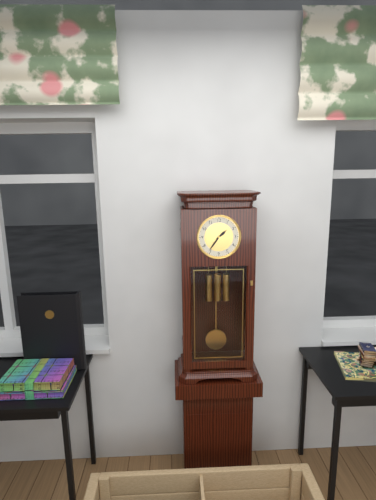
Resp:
h=1 m=36
